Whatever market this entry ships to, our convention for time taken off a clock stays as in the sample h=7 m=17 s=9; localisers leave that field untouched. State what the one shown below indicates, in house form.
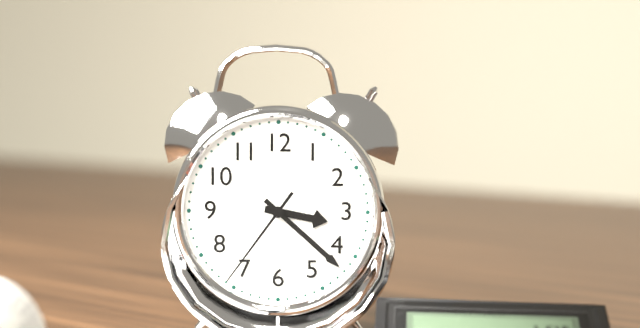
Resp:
h=3 m=22 s=36
